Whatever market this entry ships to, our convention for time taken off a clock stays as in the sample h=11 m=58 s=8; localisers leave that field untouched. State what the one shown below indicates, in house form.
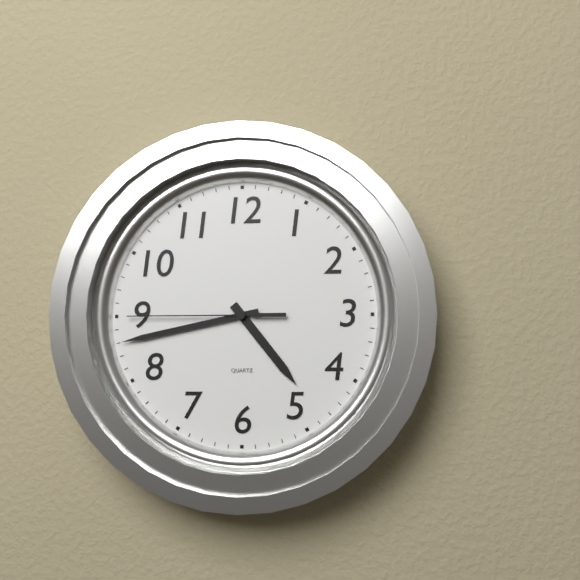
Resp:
h=4 m=43 s=45
